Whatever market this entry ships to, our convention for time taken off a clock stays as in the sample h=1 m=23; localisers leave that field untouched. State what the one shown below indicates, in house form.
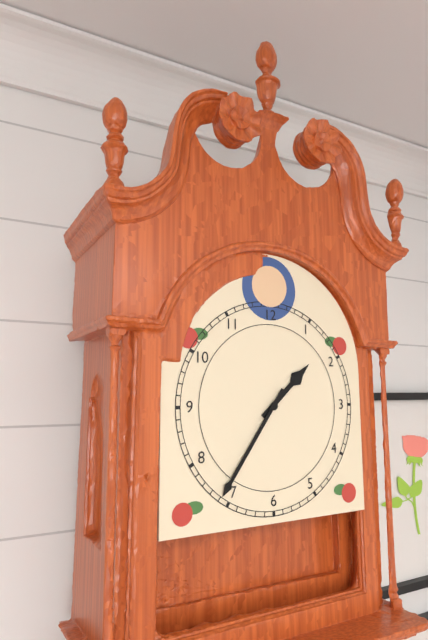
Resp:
h=1 m=36
